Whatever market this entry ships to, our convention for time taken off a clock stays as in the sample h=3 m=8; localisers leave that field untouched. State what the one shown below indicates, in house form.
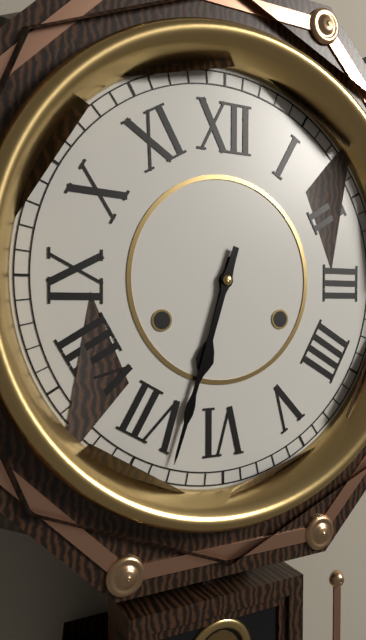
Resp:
h=6 m=33
